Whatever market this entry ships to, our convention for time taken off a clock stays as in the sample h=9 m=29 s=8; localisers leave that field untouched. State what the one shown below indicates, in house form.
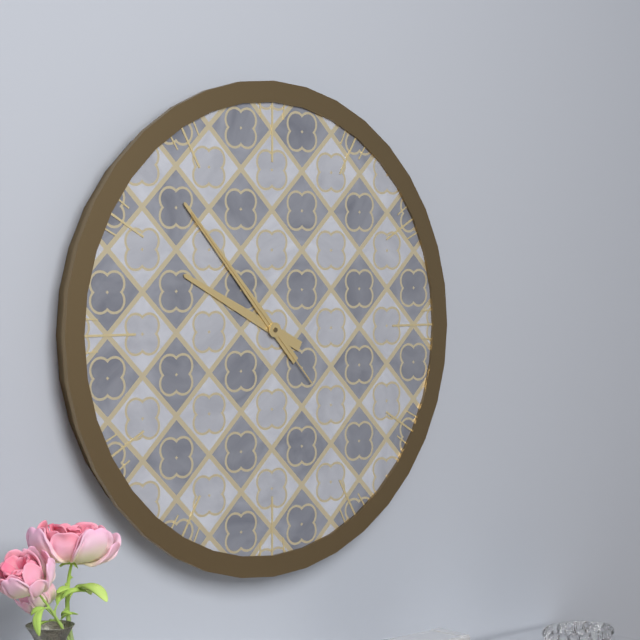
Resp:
h=9 m=53 s=53
